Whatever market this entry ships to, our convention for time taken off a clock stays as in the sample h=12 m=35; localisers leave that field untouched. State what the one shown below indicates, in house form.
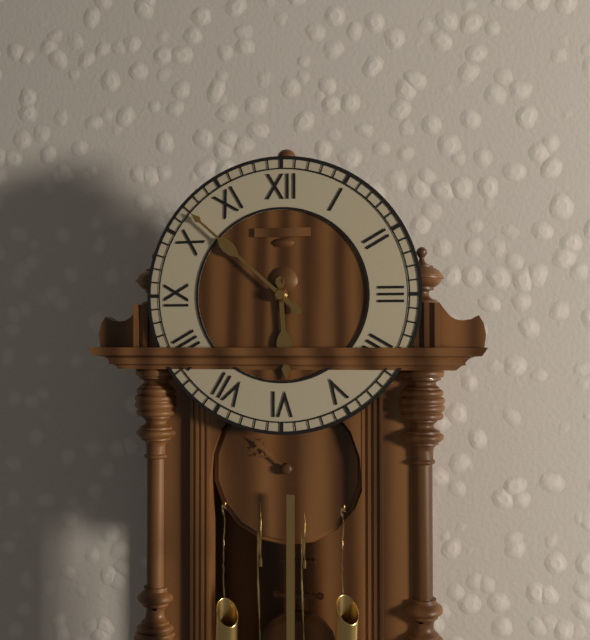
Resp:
h=5 m=52
